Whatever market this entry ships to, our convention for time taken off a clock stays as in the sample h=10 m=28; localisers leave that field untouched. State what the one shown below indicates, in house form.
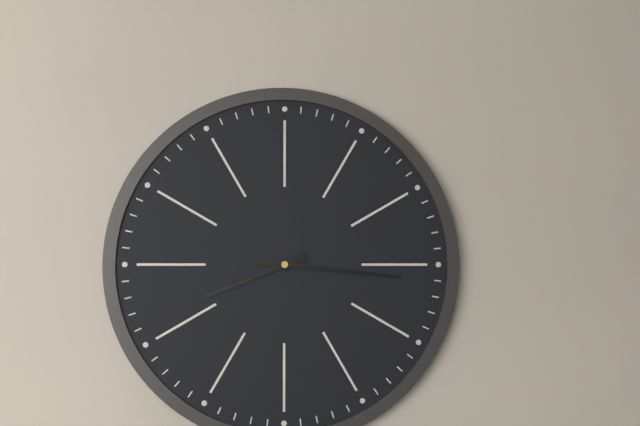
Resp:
h=8 m=16
